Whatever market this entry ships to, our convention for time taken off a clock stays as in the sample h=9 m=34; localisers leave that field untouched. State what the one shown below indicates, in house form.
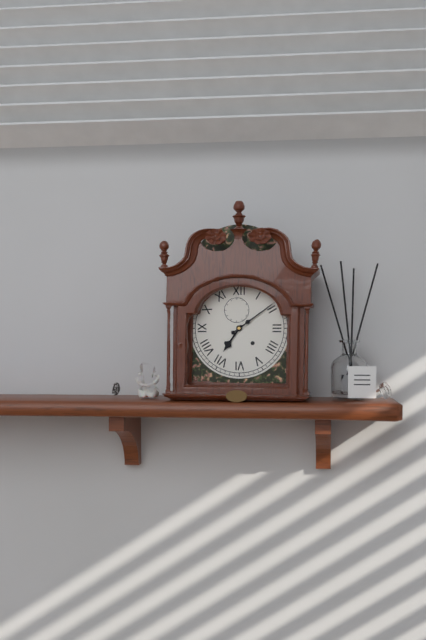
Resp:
h=7 m=9
